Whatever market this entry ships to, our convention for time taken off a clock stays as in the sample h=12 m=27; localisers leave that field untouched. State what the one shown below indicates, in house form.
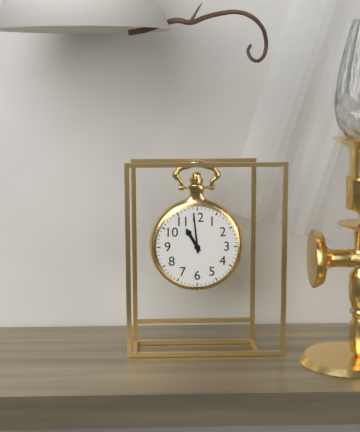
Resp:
h=10 m=59
